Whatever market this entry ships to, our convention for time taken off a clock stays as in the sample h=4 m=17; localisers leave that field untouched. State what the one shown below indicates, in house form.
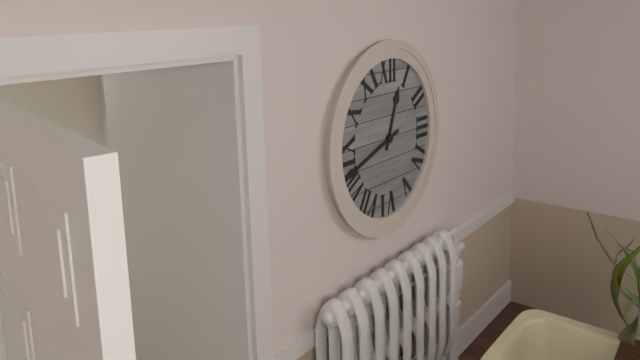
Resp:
h=12 m=42
